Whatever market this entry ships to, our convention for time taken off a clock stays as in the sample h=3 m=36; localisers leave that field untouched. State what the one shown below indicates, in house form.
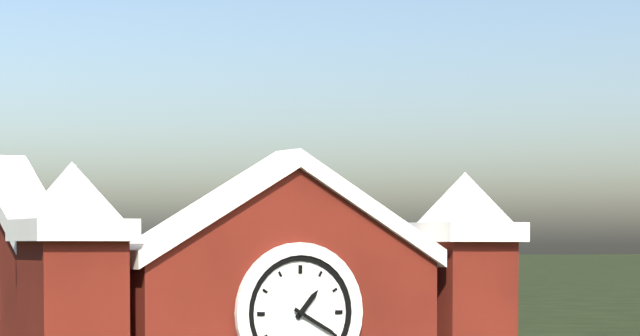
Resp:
h=1 m=20
